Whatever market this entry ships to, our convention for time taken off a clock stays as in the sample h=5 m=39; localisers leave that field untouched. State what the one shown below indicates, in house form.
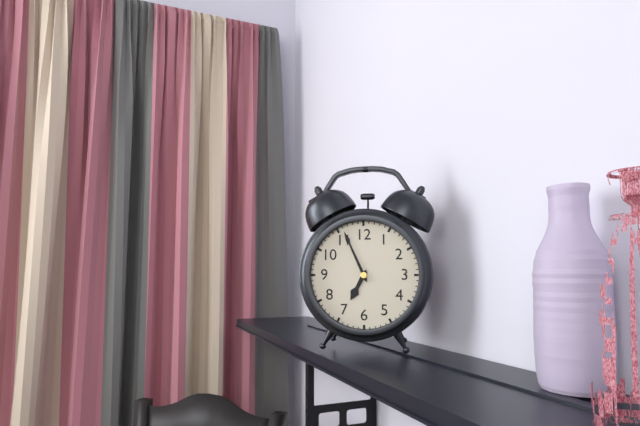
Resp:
h=6 m=56
